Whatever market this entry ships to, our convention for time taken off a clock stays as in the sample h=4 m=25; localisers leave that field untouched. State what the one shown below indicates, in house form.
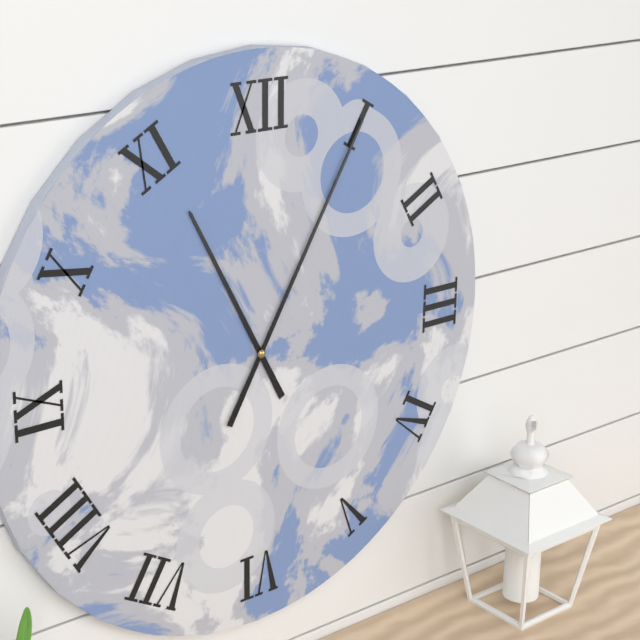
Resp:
h=11 m=5
